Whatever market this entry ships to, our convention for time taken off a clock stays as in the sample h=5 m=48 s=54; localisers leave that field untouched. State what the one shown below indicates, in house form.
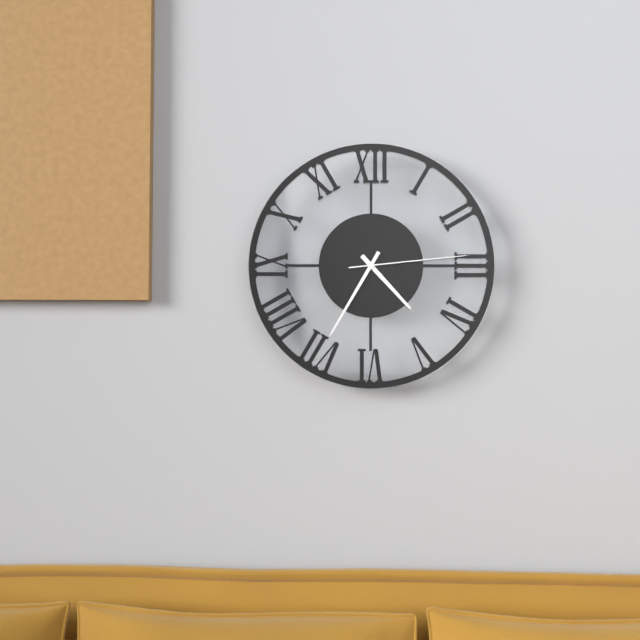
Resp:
h=4 m=35 s=14
